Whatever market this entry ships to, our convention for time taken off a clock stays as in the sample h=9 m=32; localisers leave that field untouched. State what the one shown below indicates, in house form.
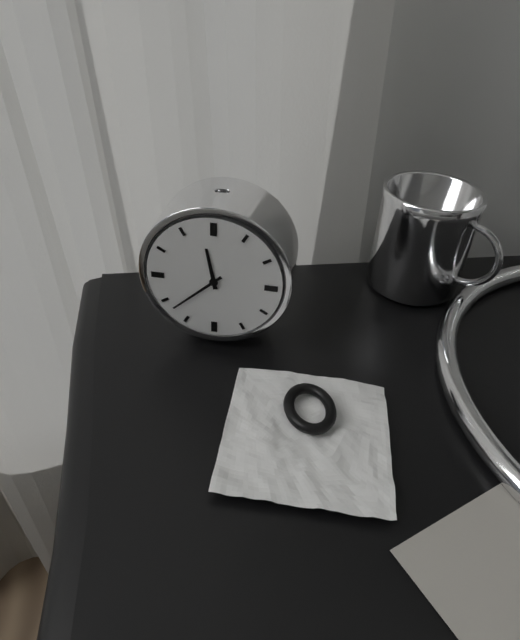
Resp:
h=11 m=38
